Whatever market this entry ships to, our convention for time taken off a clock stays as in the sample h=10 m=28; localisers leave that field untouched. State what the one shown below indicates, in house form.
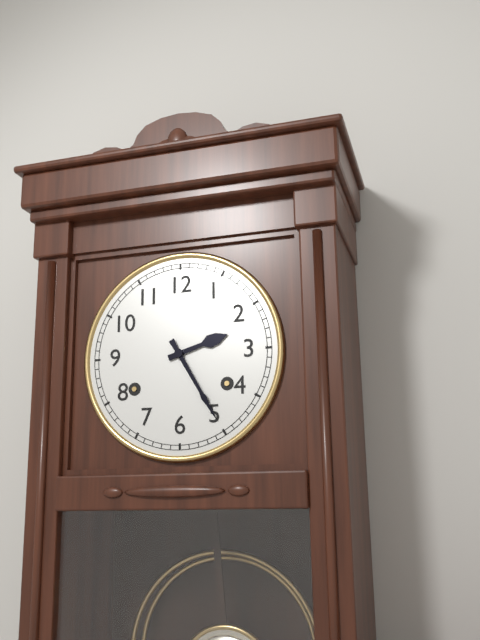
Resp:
h=2 m=25
